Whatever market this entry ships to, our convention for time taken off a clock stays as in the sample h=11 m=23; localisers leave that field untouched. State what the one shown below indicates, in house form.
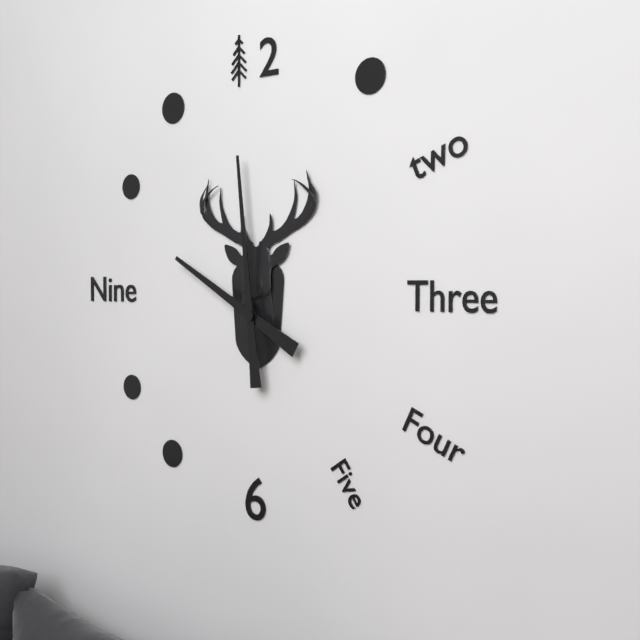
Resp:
h=9 m=59
